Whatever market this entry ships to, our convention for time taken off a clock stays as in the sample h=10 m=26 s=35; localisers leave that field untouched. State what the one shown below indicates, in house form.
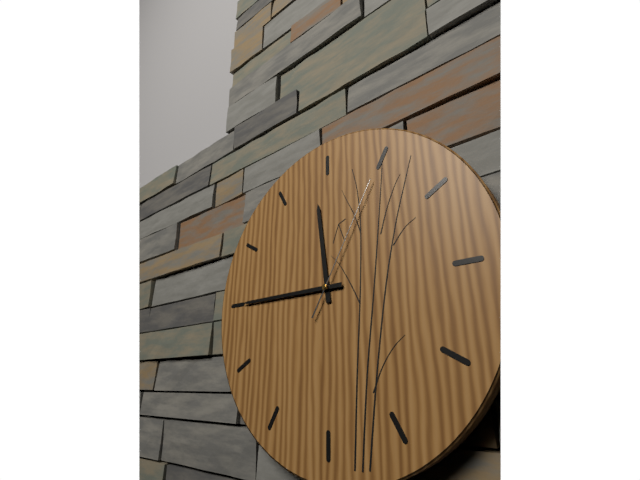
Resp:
h=11 m=45 s=5
